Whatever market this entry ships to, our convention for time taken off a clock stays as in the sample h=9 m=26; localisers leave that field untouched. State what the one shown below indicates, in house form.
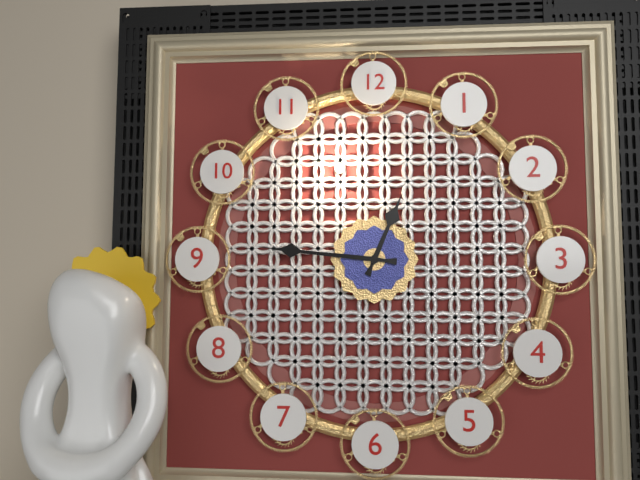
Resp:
h=12 m=46
